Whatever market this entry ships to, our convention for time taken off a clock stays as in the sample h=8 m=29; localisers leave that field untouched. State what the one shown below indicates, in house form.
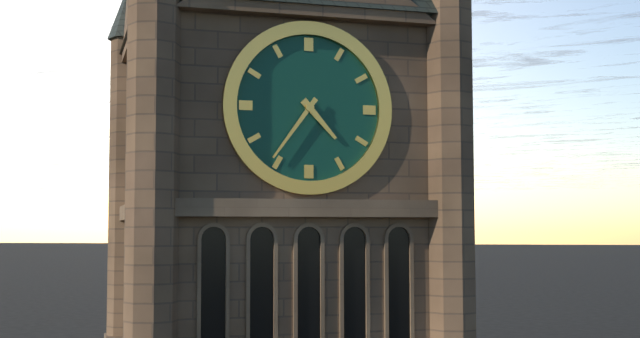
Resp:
h=4 m=36
